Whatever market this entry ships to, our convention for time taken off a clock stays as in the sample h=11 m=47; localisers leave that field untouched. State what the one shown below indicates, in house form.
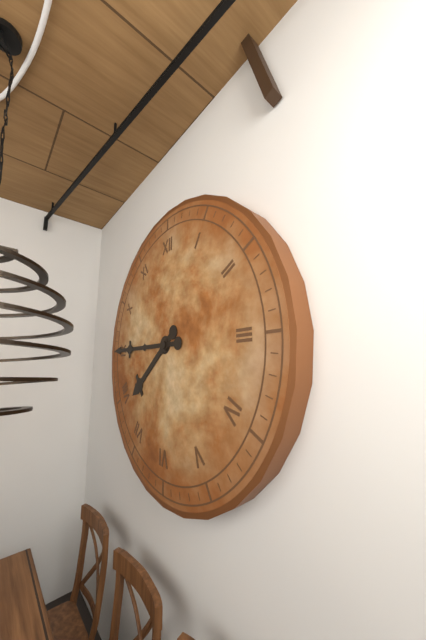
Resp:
h=7 m=45
